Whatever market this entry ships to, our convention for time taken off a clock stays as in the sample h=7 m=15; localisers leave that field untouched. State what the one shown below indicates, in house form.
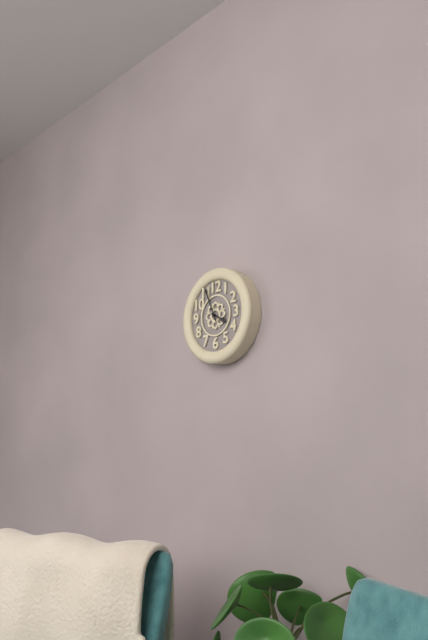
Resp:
h=3 m=56
